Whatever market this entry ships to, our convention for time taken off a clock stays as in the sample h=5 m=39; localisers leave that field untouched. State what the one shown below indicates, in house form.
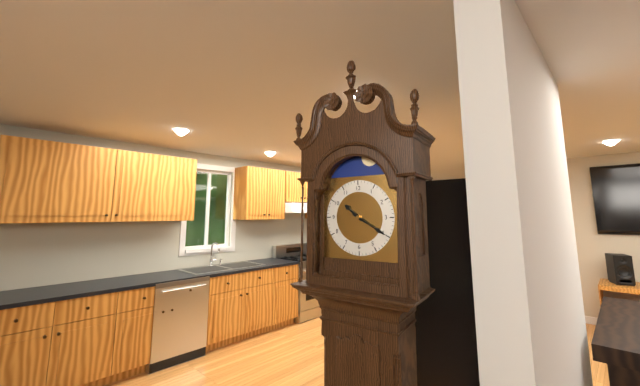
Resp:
h=10 m=20
